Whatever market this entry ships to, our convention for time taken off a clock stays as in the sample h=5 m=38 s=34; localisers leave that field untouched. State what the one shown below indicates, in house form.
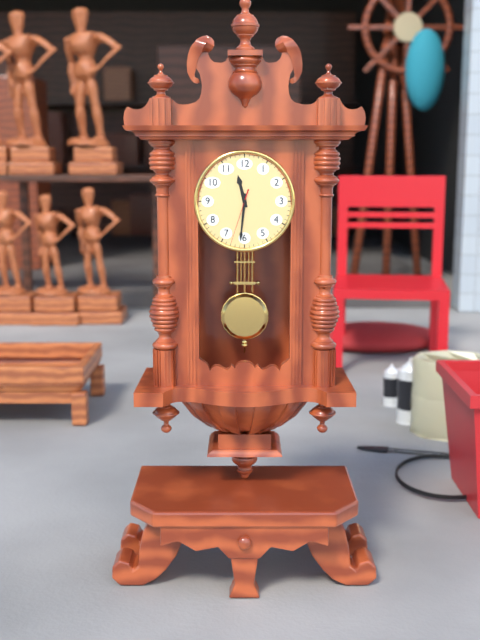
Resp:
h=11 m=31 s=33
